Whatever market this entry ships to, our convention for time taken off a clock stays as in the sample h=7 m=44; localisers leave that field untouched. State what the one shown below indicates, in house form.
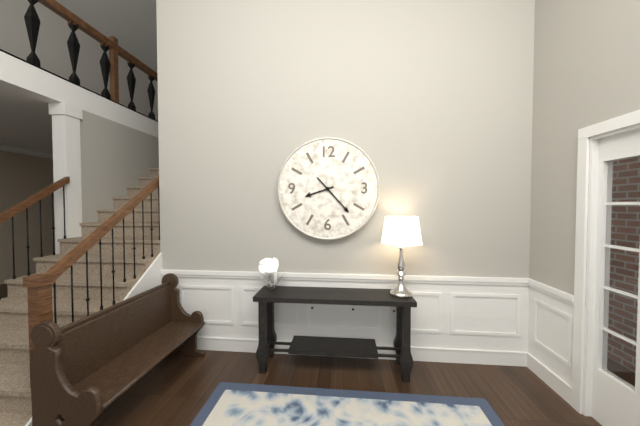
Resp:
h=8 m=23
